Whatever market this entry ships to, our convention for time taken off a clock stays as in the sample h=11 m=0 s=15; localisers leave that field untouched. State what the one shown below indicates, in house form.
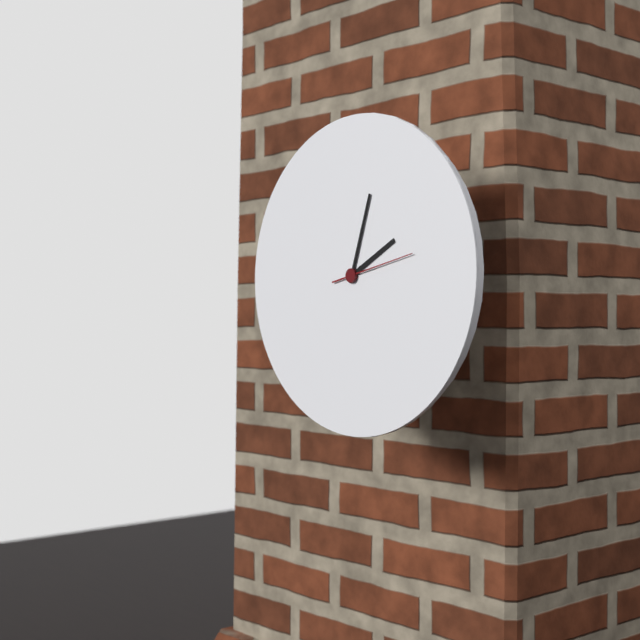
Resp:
h=2 m=3 s=13
